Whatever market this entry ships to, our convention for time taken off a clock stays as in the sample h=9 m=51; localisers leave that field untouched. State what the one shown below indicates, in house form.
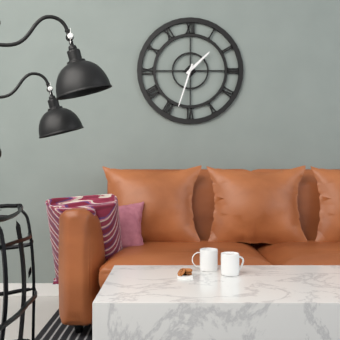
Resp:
h=1 m=33
